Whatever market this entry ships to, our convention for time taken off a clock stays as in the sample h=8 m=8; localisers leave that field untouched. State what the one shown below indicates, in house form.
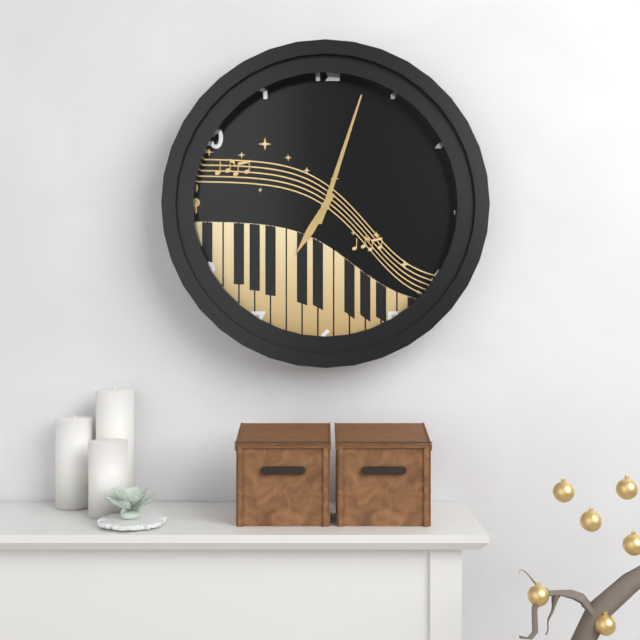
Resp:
h=7 m=3
